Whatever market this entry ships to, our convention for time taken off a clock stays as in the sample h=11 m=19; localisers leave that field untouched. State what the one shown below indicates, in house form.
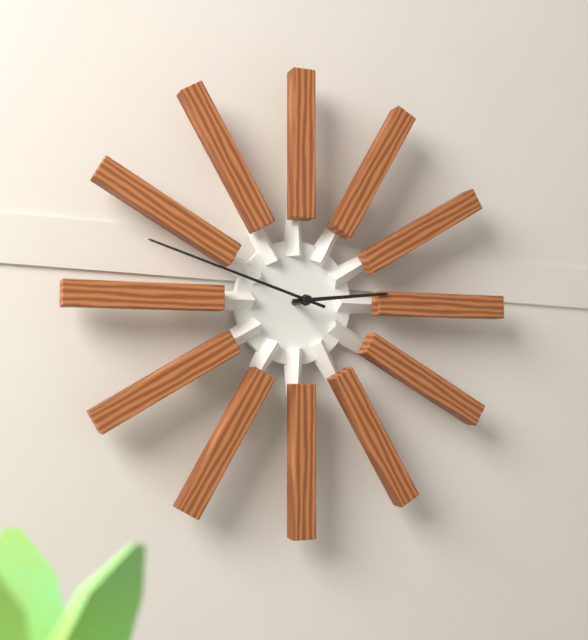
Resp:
h=2 m=48
